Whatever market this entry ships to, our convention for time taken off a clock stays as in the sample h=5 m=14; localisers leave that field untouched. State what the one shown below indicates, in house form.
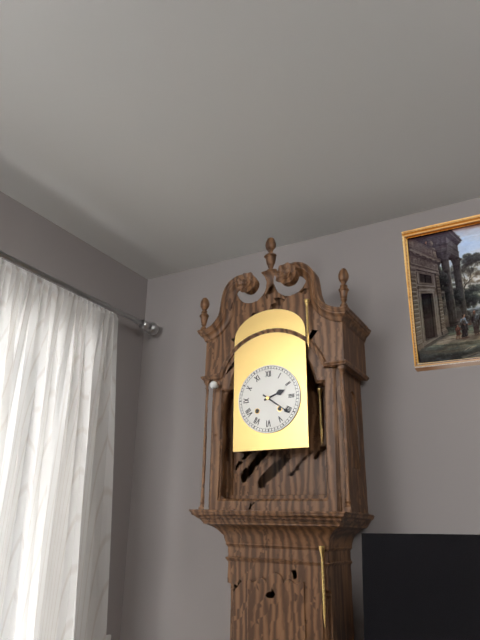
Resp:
h=2 m=21
